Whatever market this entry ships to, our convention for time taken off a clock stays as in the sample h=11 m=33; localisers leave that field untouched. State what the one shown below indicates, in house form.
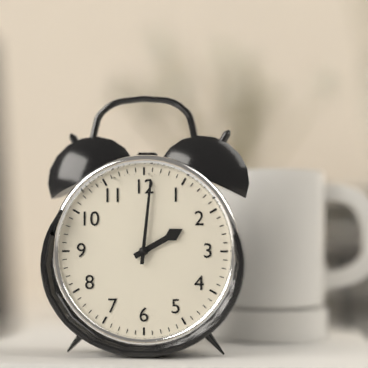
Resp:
h=2 m=1
